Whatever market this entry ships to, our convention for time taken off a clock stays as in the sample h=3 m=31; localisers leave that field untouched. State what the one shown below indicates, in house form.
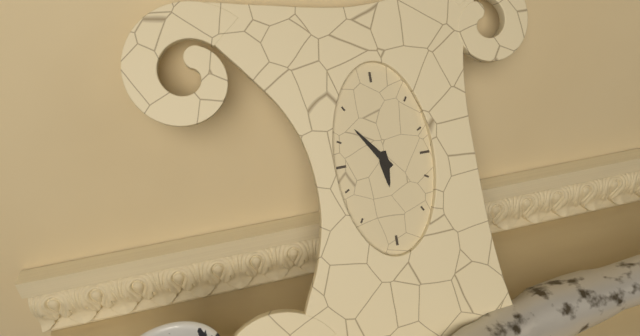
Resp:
h=5 m=54
